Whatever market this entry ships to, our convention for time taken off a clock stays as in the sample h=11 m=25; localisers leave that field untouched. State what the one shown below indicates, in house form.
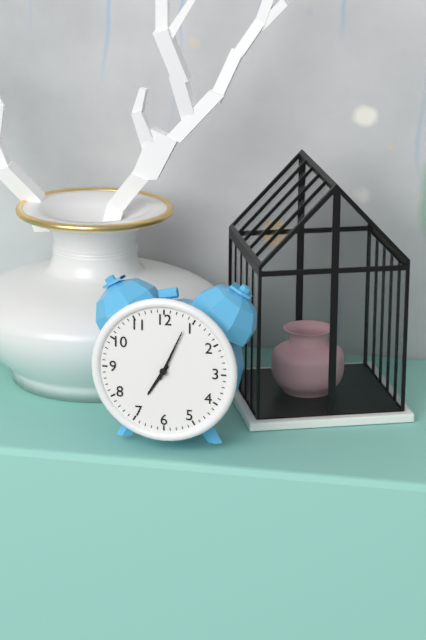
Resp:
h=7 m=4
